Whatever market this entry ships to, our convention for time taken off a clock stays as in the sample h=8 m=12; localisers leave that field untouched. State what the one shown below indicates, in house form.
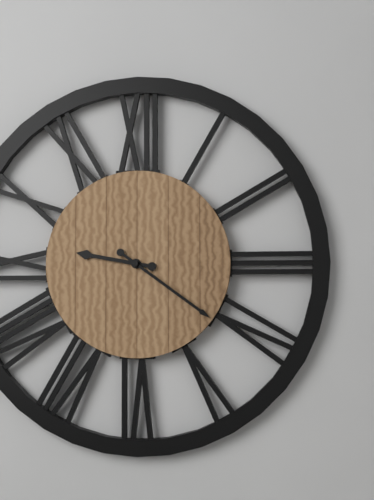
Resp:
h=9 m=21
